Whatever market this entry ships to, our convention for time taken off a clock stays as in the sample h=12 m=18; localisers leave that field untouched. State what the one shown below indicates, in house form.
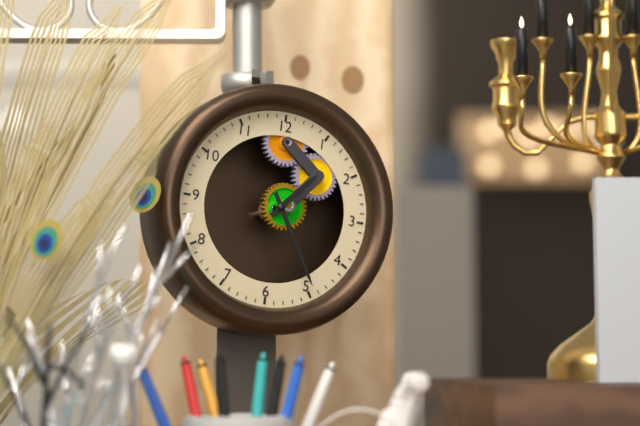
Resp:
h=1 m=25
